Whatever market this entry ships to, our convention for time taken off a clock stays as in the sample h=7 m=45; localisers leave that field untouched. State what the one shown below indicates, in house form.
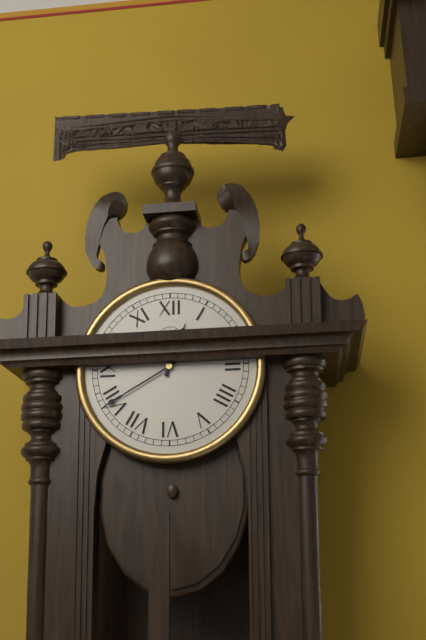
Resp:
h=12 m=40
